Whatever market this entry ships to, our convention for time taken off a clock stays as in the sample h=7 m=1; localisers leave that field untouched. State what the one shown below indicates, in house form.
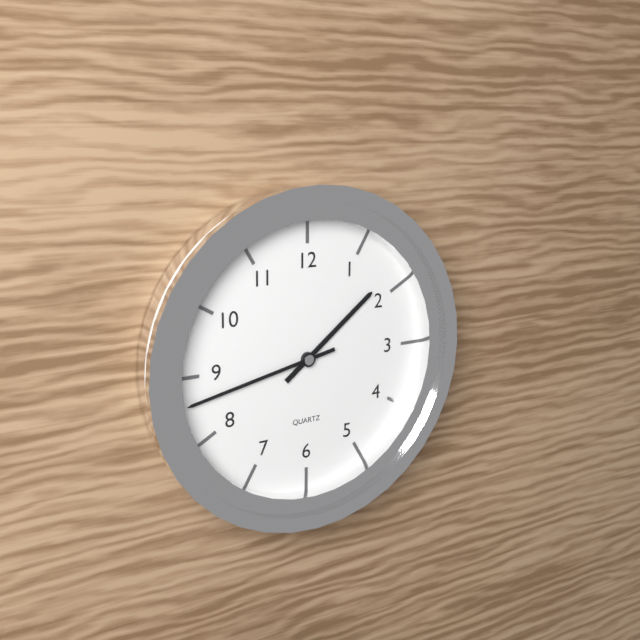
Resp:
h=1 m=43
